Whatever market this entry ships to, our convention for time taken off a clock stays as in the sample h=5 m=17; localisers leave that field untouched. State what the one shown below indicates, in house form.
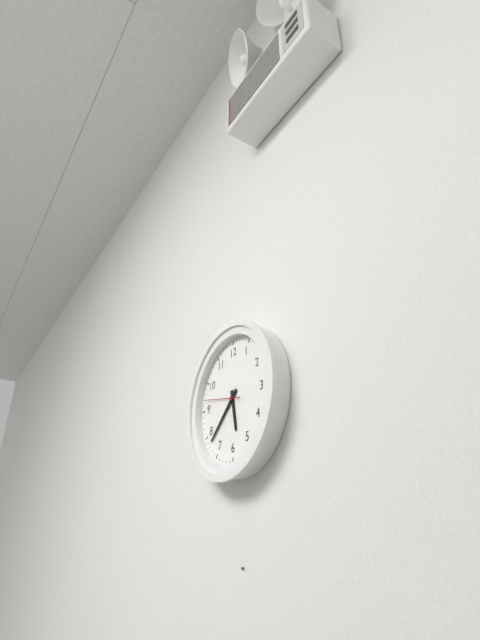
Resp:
h=5 m=38
